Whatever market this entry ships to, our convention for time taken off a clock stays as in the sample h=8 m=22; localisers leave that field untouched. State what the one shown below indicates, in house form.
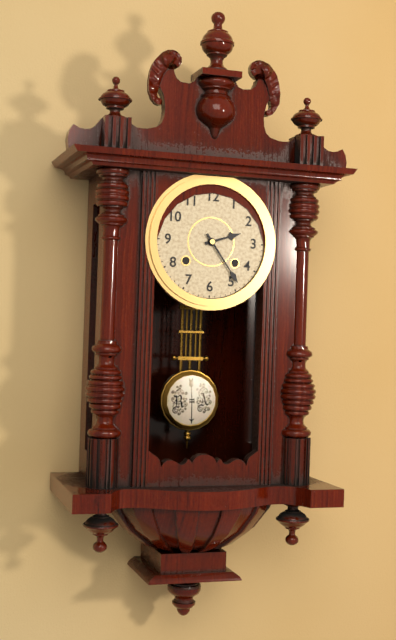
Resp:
h=2 m=24
